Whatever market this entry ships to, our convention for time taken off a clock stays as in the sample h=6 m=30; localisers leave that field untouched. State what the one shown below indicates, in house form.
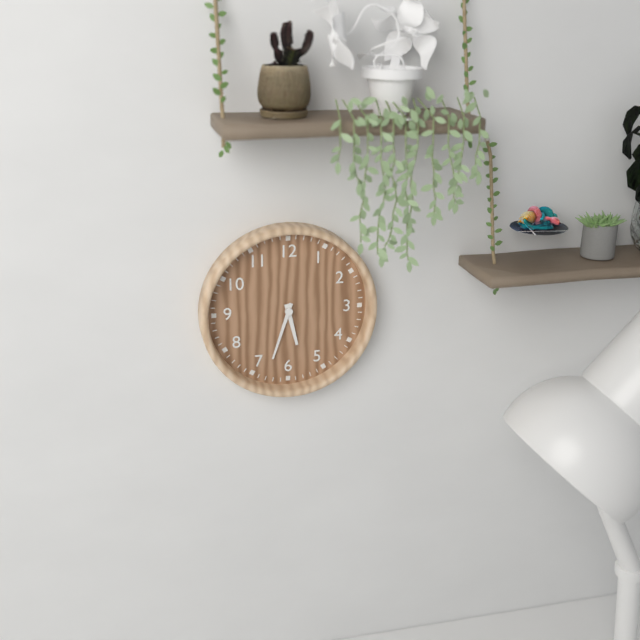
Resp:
h=5 m=33
